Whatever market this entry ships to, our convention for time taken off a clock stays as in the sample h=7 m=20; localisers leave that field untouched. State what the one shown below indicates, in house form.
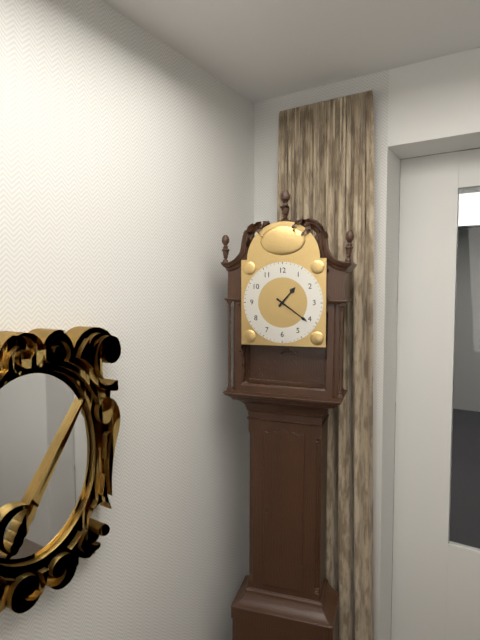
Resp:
h=1 m=21
